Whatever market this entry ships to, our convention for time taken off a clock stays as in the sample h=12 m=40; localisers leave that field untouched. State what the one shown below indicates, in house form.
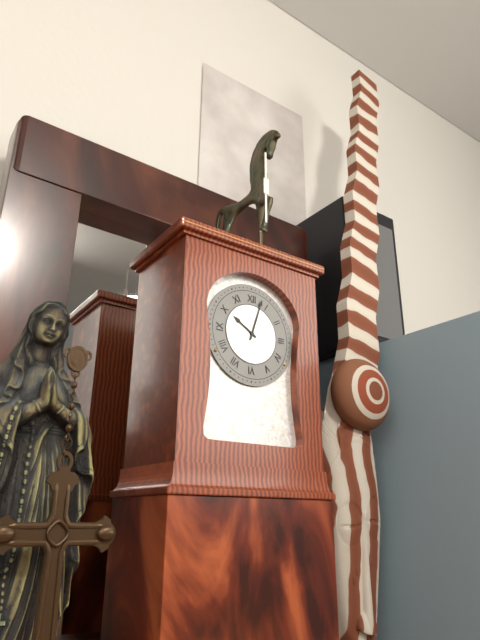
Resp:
h=10 m=3
